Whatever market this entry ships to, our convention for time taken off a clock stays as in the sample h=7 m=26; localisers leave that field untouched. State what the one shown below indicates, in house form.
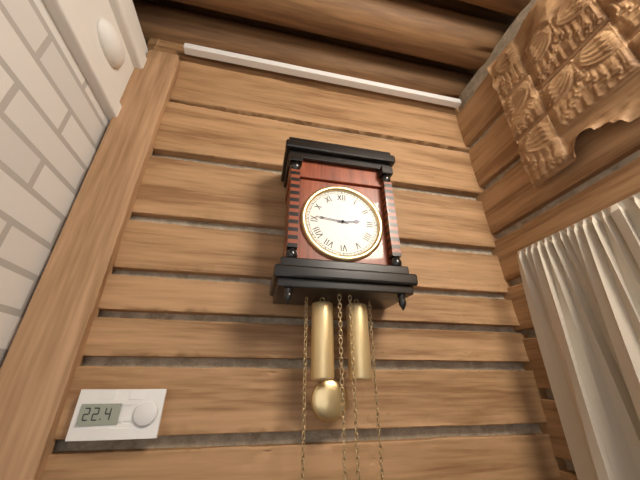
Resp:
h=2 m=46
